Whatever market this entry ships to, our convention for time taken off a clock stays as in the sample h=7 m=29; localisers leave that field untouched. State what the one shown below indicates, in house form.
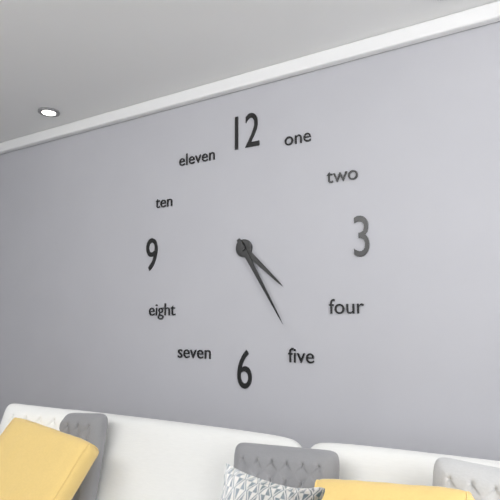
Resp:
h=4 m=25
